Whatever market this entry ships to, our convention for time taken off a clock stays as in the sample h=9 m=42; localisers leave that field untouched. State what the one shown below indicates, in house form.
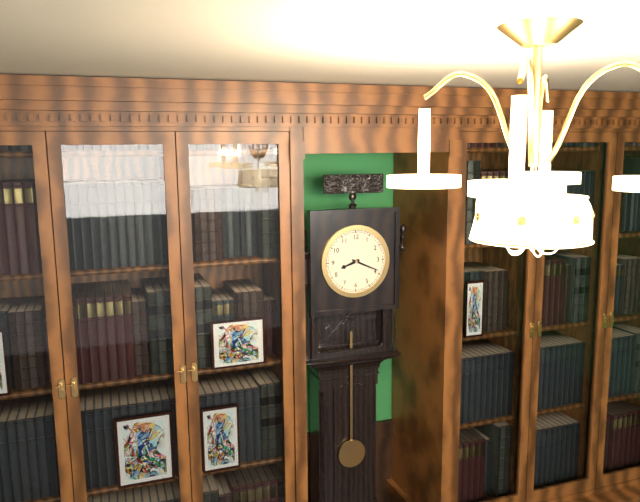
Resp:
h=8 m=19
